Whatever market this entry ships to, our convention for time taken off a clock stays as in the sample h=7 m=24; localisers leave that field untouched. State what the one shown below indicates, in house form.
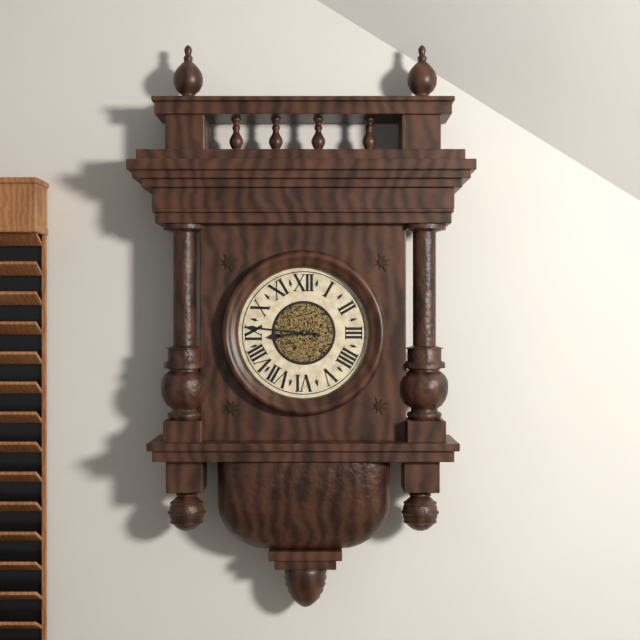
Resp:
h=8 m=46
